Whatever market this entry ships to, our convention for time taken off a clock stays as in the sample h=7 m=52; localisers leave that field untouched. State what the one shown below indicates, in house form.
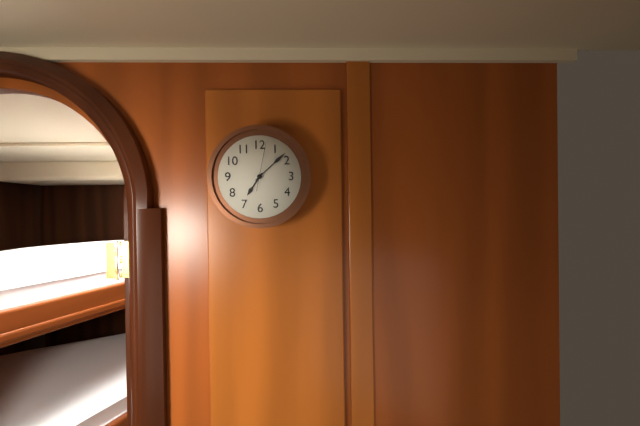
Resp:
h=7 m=8
